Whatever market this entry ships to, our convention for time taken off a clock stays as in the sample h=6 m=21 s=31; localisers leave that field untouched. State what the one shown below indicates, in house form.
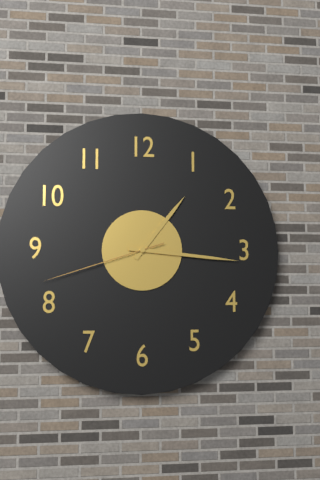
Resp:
h=1 m=16 s=42
